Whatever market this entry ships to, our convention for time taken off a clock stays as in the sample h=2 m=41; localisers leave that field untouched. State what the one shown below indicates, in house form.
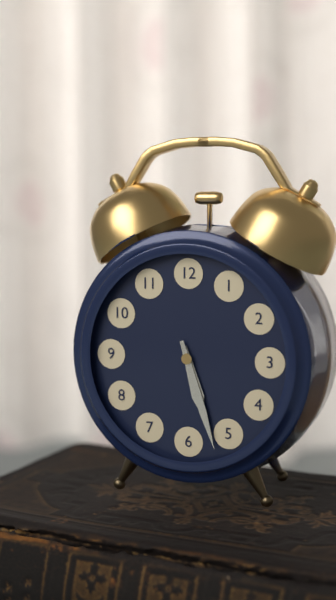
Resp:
h=5 m=27
